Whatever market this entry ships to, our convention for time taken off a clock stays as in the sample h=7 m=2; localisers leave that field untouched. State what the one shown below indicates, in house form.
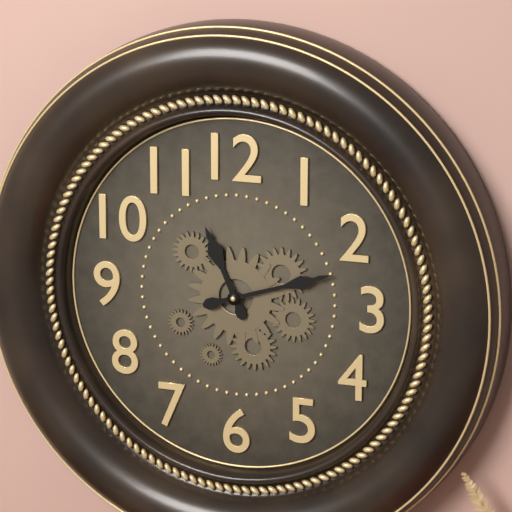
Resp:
h=11 m=12
